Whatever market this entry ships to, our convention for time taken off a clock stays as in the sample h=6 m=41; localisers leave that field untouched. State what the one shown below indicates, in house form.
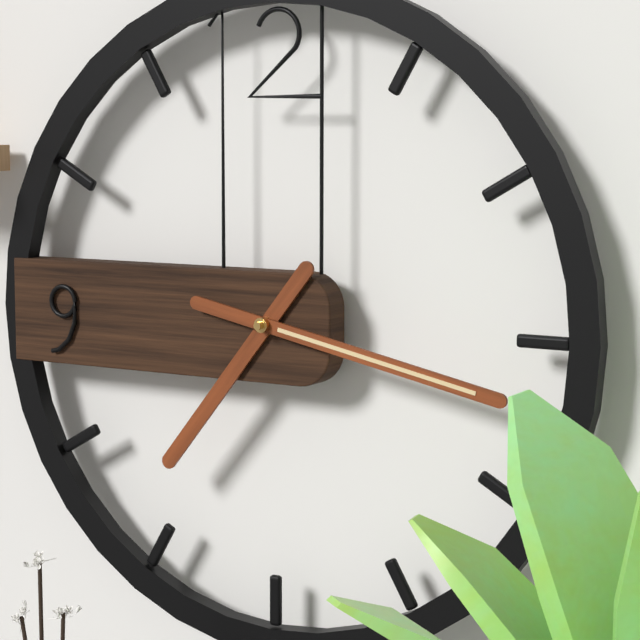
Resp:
h=7 m=17
